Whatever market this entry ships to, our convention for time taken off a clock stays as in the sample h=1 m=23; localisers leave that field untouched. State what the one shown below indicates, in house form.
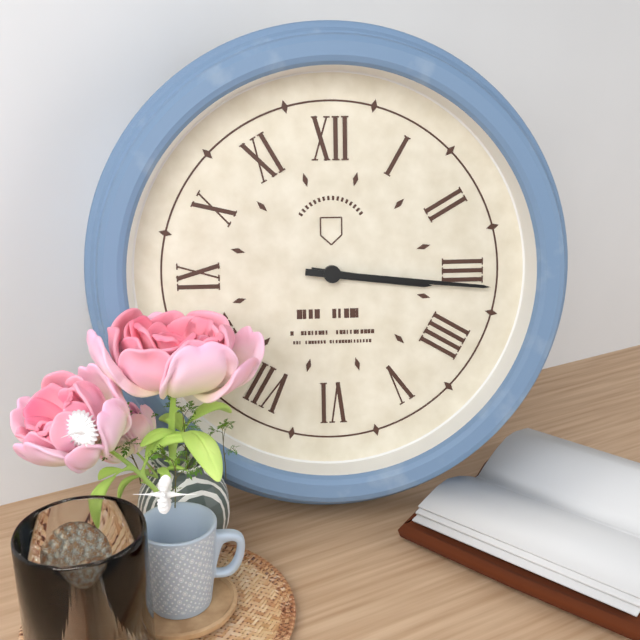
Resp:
h=3 m=16
